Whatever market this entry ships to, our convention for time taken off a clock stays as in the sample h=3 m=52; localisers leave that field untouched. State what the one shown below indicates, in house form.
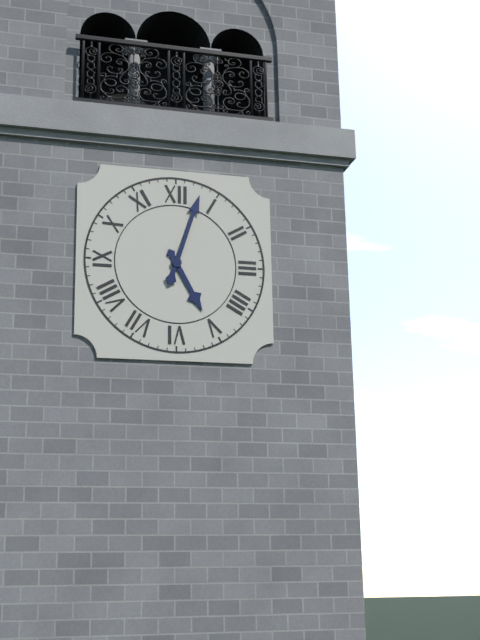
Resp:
h=5 m=3
